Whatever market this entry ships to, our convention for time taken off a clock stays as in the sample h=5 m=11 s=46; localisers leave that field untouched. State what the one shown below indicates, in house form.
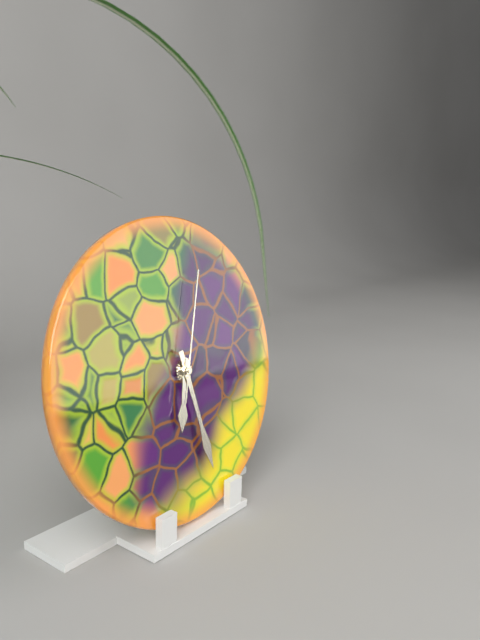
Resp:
h=6 m=28 s=3
